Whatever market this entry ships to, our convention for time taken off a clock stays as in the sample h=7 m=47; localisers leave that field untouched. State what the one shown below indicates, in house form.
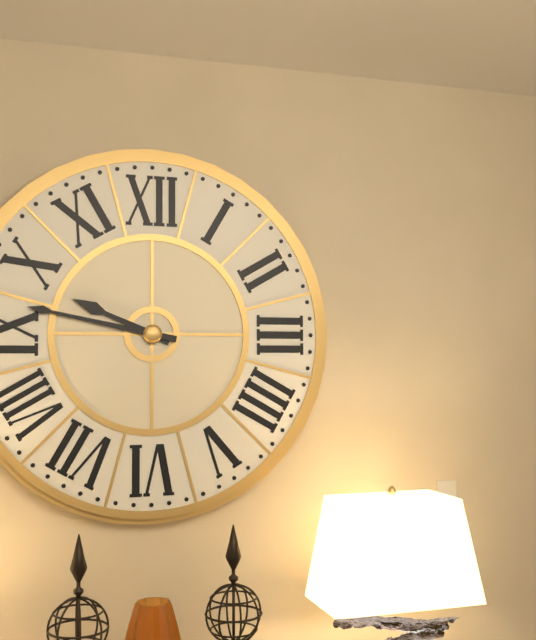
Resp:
h=9 m=47
